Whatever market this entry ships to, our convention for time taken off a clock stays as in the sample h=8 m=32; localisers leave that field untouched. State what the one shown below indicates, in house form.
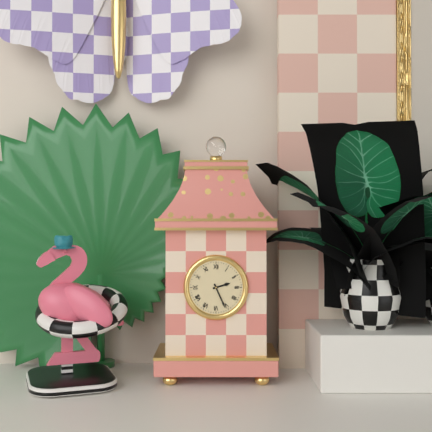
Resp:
h=2 m=26
